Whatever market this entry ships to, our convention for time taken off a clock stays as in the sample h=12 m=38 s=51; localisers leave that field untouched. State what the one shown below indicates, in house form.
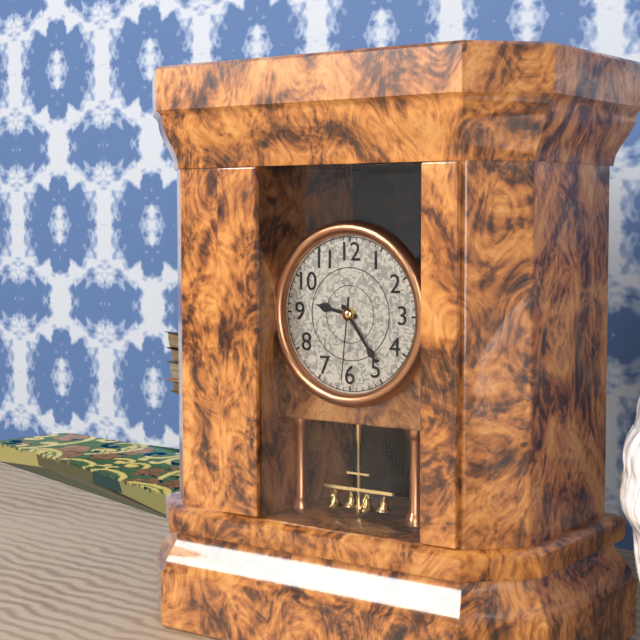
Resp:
h=9 m=24 s=31
